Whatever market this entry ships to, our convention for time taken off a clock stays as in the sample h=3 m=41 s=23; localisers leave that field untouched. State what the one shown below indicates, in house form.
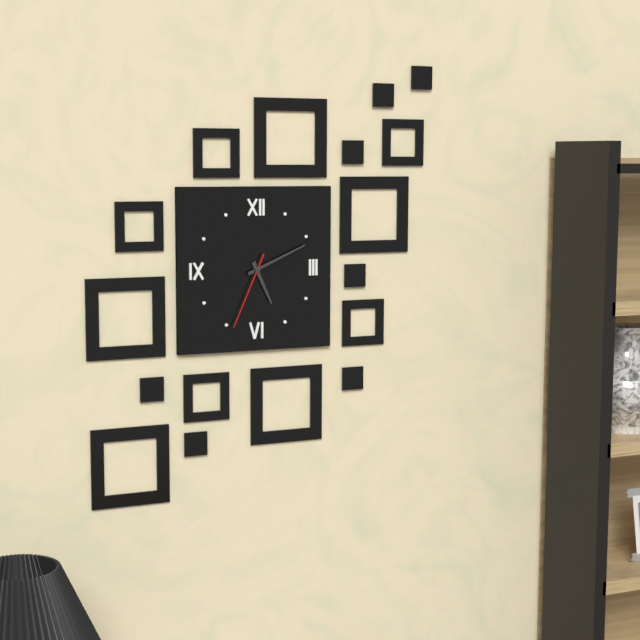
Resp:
h=5 m=11 s=34
